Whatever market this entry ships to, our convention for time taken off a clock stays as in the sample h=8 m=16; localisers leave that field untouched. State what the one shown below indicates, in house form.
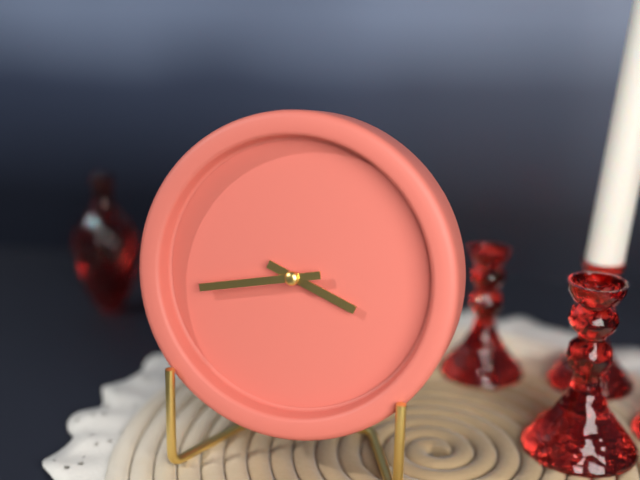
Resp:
h=3 m=43
